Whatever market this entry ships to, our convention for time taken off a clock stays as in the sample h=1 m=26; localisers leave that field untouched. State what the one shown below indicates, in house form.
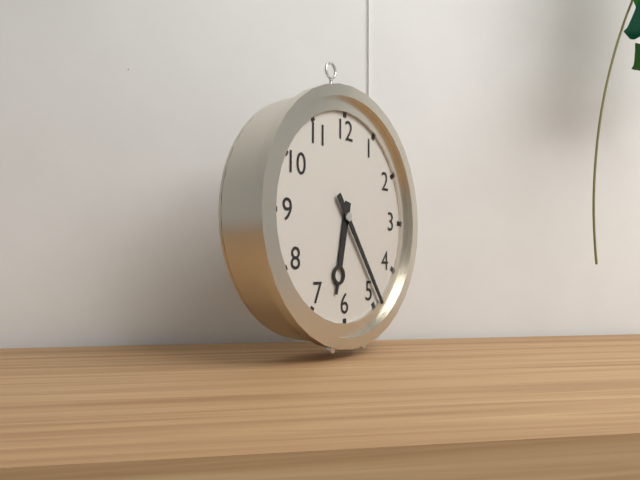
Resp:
h=6 m=24
